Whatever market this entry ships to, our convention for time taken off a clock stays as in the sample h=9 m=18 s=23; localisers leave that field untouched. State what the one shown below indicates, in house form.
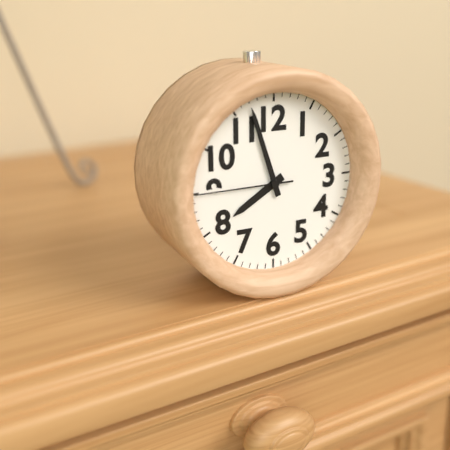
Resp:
h=7 m=57 s=45
